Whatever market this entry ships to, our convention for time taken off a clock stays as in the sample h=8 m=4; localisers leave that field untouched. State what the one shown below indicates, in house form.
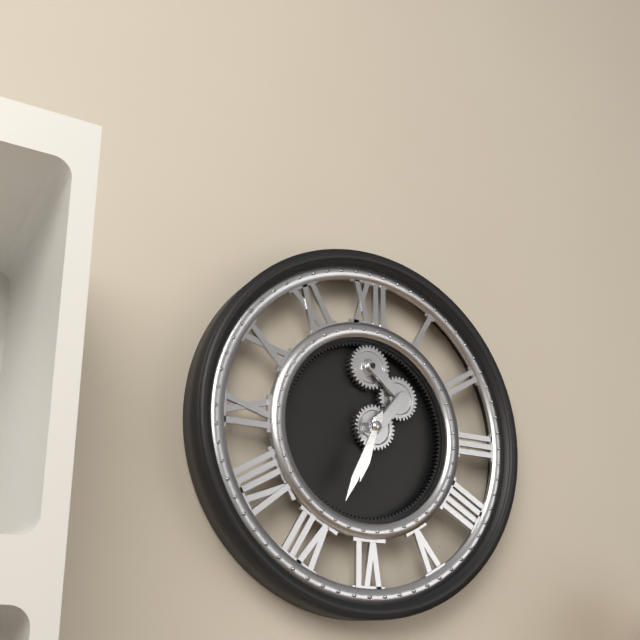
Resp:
h=6 m=34
